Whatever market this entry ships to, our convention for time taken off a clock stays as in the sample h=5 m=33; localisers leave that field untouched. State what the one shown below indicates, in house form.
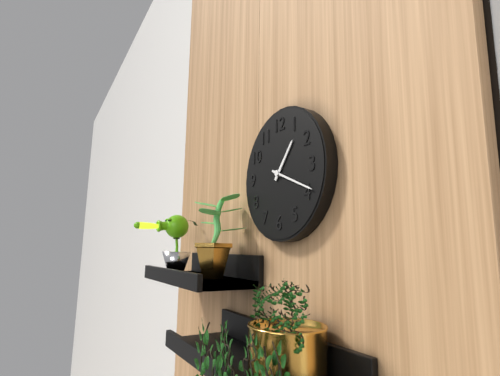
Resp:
h=1 m=19
